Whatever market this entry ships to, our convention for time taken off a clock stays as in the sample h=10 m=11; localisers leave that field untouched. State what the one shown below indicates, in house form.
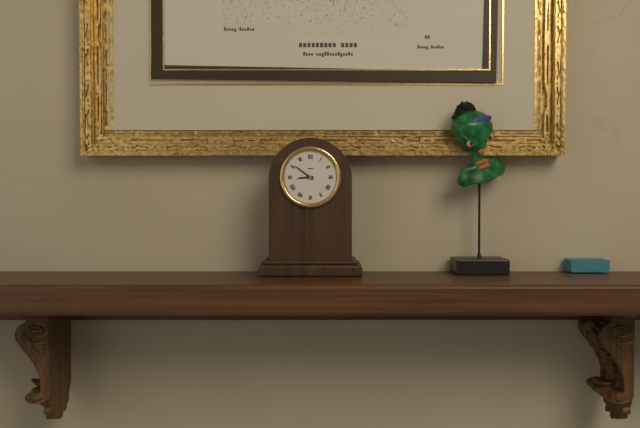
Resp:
h=8 m=51
